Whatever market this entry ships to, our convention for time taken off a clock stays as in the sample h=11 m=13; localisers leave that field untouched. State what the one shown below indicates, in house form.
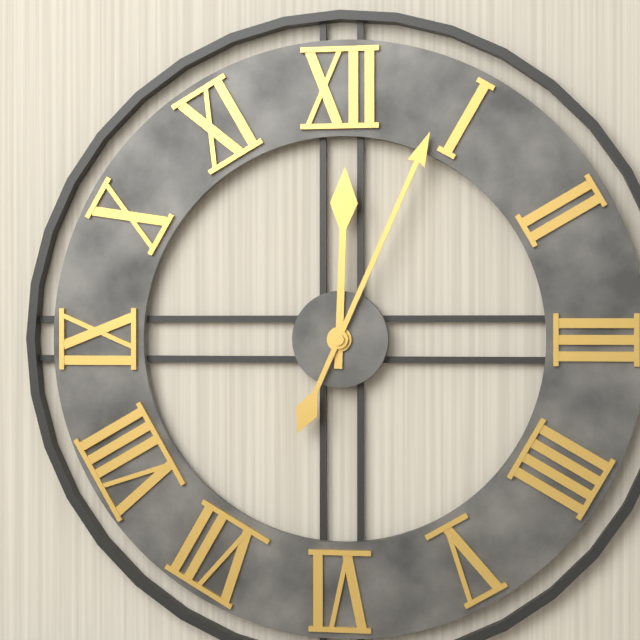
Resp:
h=12 m=4
